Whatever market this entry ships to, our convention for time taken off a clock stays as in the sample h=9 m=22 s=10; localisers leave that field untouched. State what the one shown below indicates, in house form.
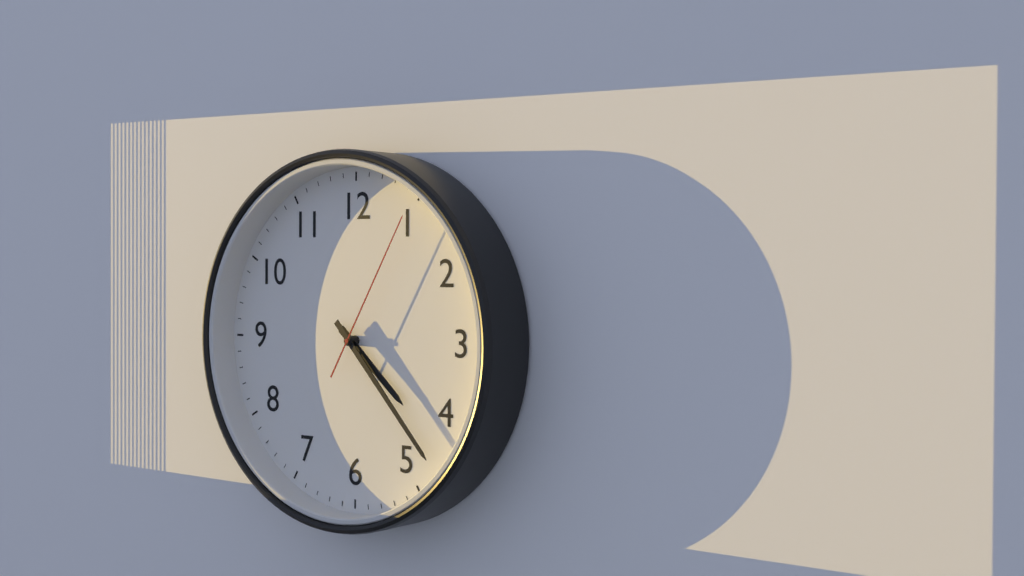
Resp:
h=4 m=23 s=5
